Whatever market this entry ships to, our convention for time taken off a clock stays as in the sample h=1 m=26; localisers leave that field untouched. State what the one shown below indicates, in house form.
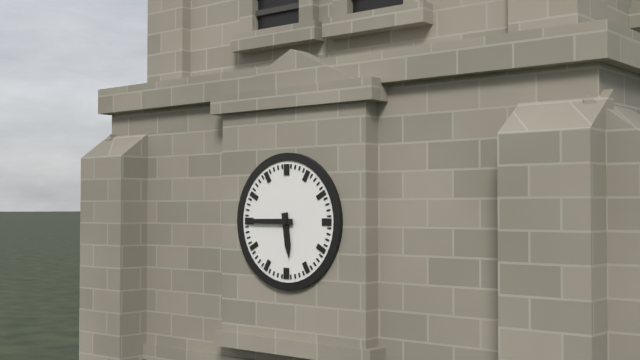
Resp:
h=5 m=45
